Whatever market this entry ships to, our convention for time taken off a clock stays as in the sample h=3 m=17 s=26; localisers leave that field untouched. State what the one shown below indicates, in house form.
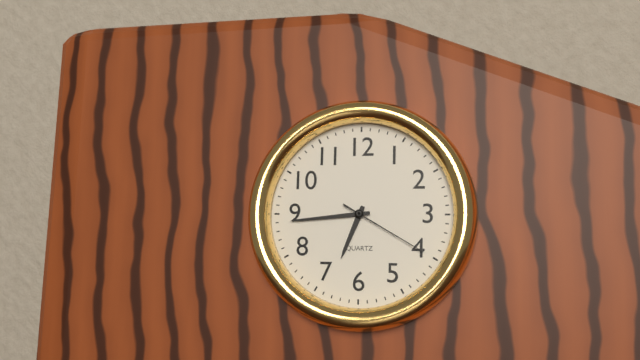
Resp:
h=6 m=44 s=20
